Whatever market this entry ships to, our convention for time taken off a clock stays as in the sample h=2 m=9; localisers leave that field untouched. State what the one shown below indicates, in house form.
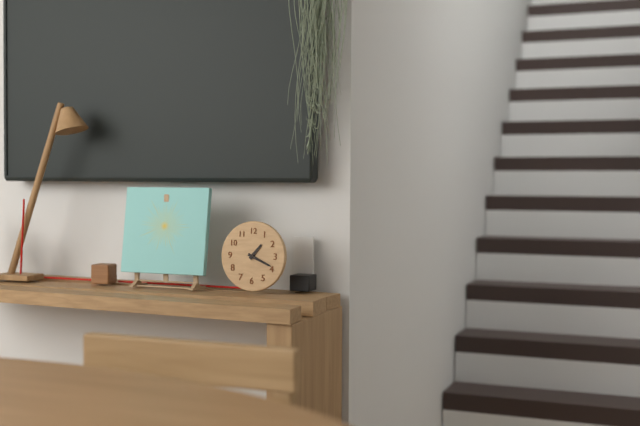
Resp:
h=1 m=19
